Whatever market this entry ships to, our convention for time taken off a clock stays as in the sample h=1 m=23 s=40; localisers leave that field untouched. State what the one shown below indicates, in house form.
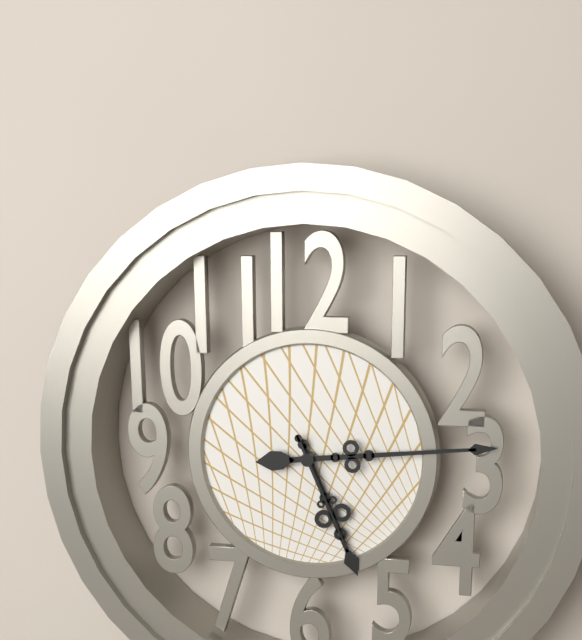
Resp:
h=5 m=14 s=26
